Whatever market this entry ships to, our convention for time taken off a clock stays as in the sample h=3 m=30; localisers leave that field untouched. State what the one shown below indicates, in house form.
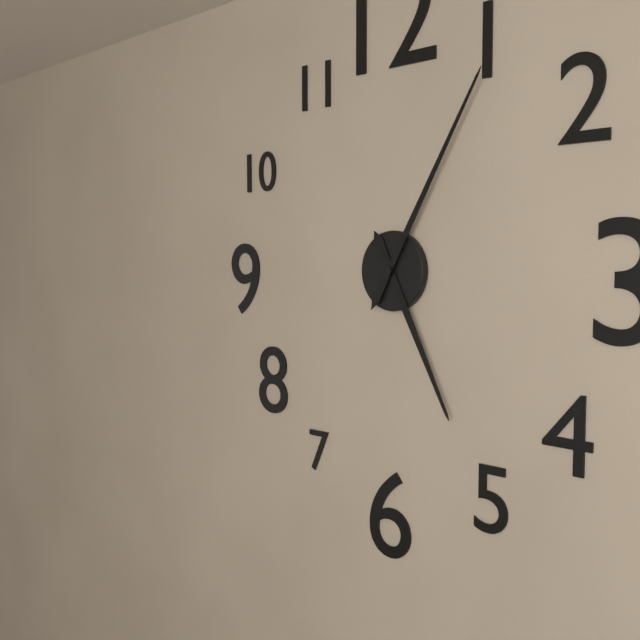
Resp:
h=5 m=5
